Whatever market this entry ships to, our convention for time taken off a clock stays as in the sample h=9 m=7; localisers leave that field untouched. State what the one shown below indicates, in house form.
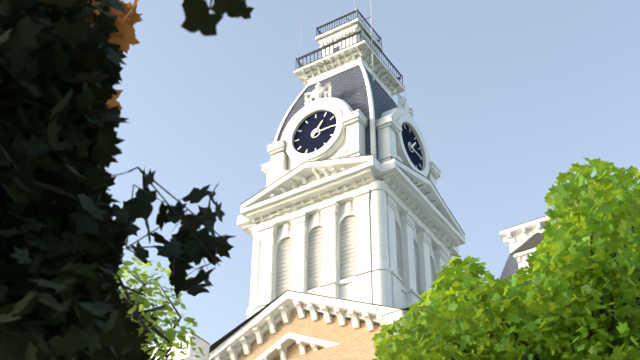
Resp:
h=1 m=15
